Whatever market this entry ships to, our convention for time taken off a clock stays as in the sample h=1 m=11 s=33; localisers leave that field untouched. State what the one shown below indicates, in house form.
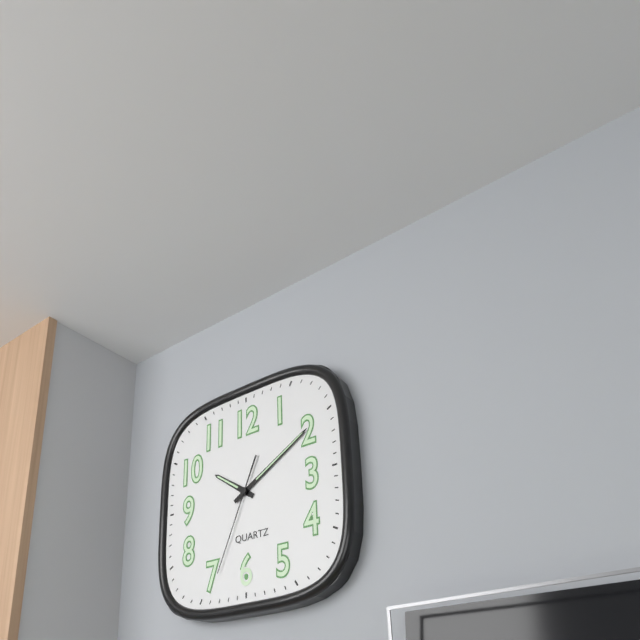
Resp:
h=10 m=10 s=34
